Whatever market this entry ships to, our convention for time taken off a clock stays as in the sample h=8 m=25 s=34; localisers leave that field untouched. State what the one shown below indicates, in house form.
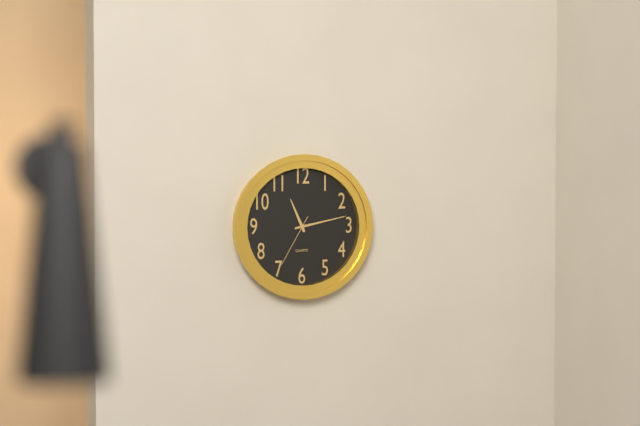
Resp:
h=11 m=13 s=35
